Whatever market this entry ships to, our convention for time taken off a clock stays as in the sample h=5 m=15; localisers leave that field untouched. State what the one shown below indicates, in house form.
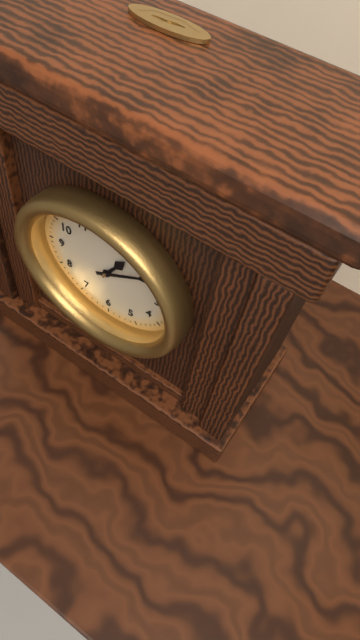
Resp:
h=1 m=10
